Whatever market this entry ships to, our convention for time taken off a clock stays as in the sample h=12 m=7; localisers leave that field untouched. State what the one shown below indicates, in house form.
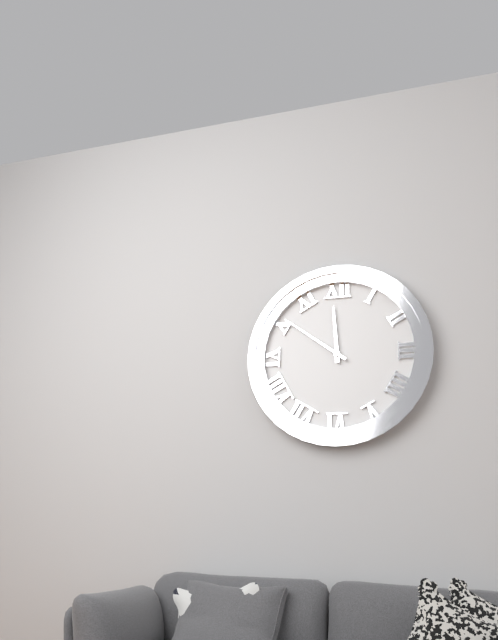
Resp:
h=11 m=51
